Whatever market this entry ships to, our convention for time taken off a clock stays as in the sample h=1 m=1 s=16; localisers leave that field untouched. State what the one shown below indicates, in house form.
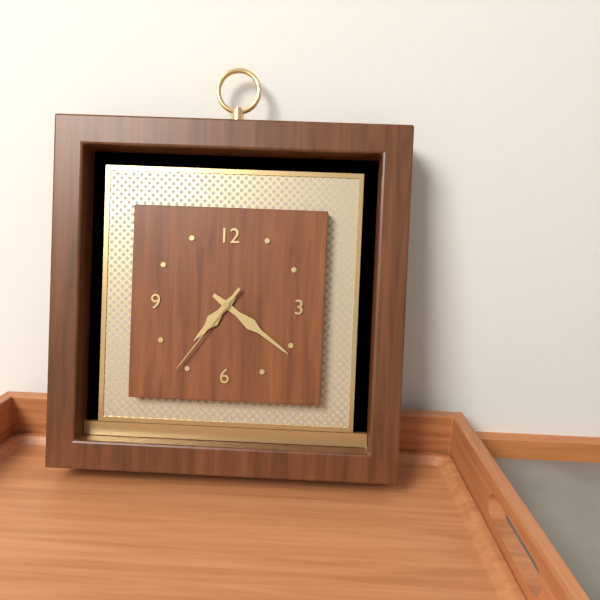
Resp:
h=7 m=21 s=36
